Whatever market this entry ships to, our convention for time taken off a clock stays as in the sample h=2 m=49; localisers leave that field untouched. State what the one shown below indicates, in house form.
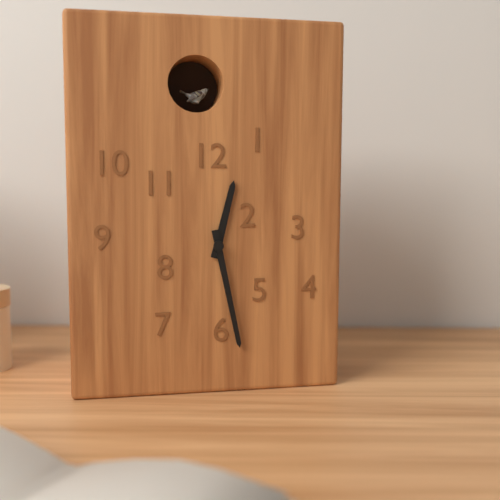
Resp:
h=12 m=28
